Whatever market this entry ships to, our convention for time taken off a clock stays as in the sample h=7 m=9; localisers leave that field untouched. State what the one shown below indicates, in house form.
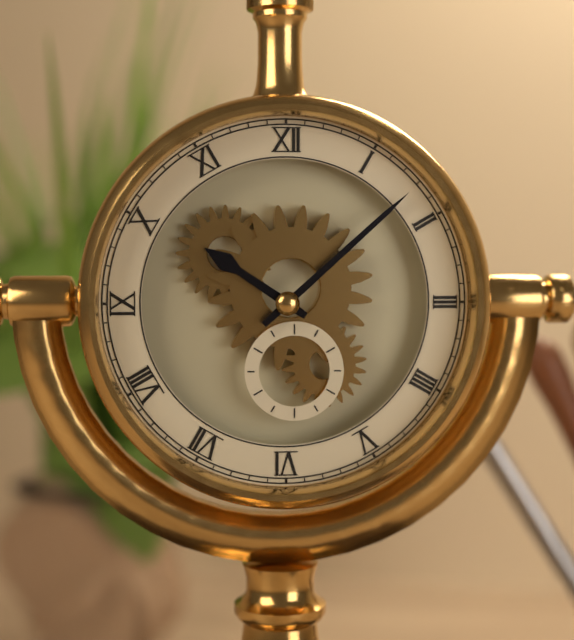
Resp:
h=10 m=8
